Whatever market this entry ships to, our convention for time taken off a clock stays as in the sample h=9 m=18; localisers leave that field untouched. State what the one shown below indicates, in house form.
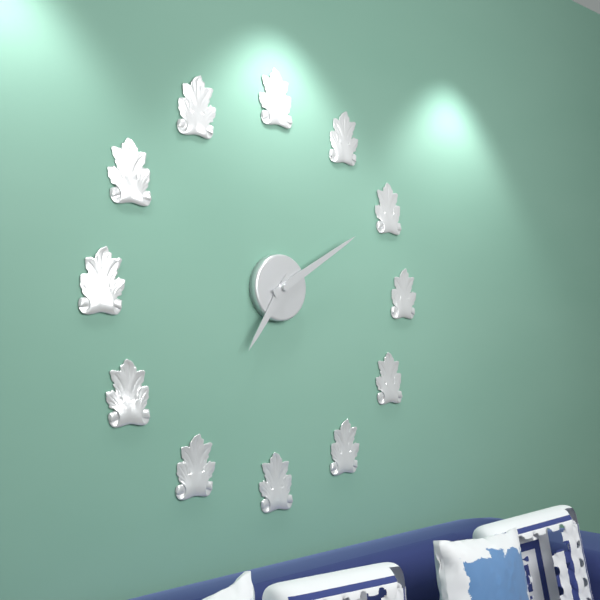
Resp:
h=7 m=10
